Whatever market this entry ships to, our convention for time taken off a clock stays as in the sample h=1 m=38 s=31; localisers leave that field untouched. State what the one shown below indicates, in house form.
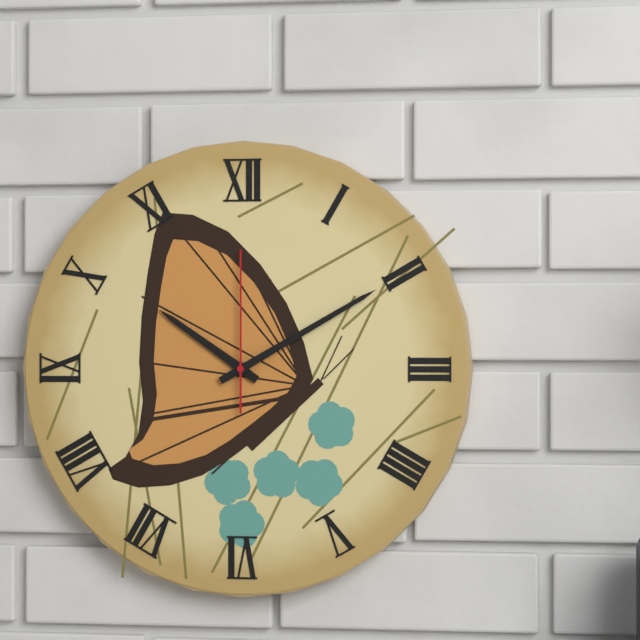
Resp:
h=10 m=10 s=0
